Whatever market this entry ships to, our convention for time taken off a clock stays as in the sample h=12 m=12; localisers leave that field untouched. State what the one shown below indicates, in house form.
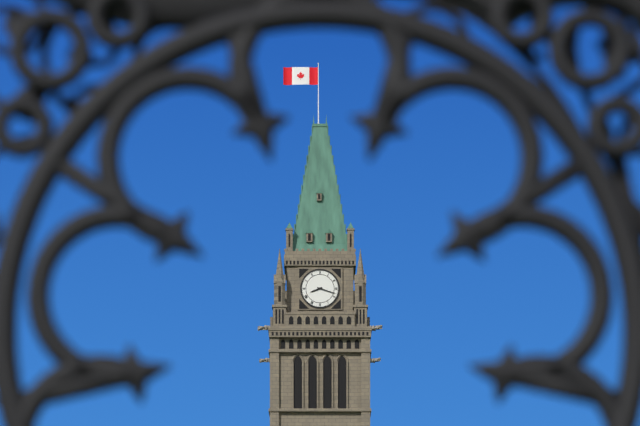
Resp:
h=8 m=18
